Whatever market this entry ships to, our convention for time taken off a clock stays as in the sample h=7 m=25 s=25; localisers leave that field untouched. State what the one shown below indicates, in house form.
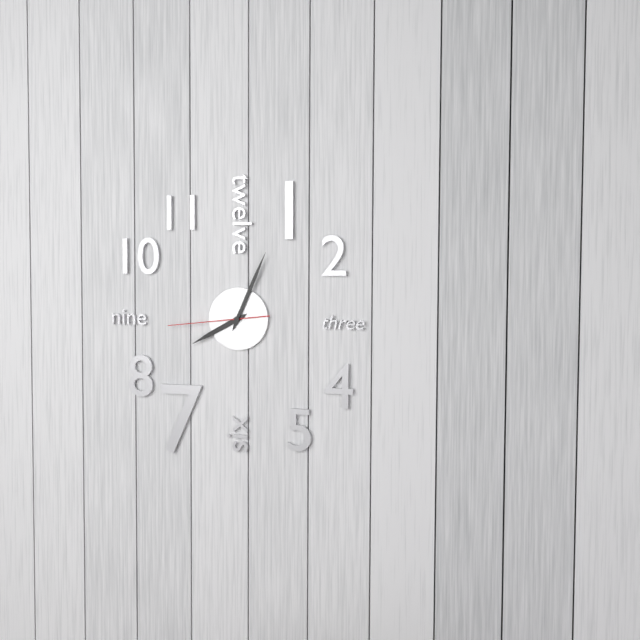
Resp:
h=8 m=4 s=44
